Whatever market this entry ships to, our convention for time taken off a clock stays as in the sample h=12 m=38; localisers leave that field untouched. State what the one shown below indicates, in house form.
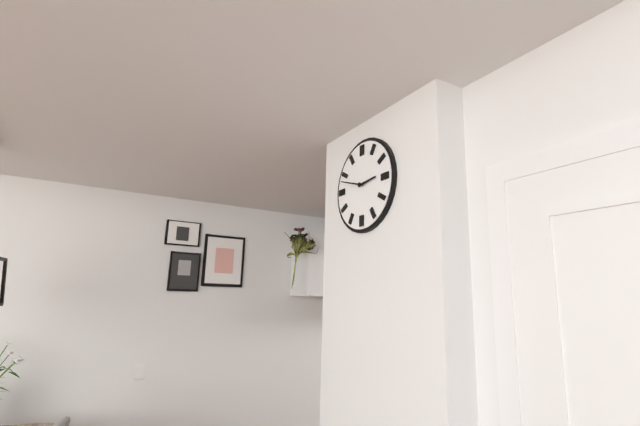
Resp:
h=2 m=48
